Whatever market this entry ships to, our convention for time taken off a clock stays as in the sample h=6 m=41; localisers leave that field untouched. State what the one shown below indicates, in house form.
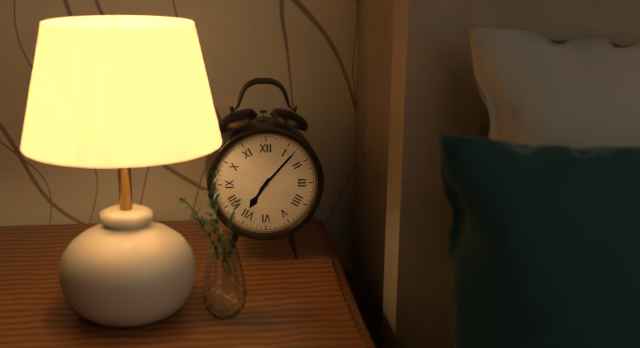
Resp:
h=7 m=7
